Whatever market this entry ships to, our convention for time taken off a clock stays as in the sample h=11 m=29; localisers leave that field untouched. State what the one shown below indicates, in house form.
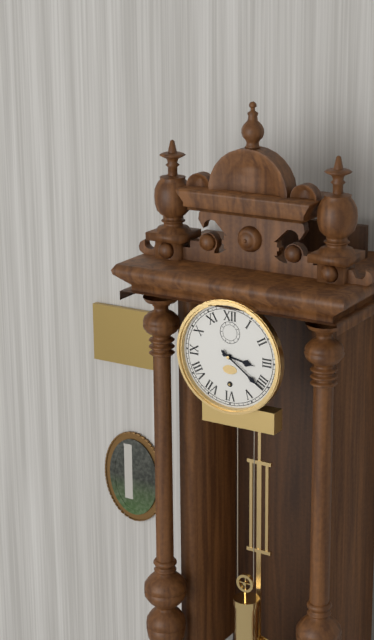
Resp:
h=3 m=21
